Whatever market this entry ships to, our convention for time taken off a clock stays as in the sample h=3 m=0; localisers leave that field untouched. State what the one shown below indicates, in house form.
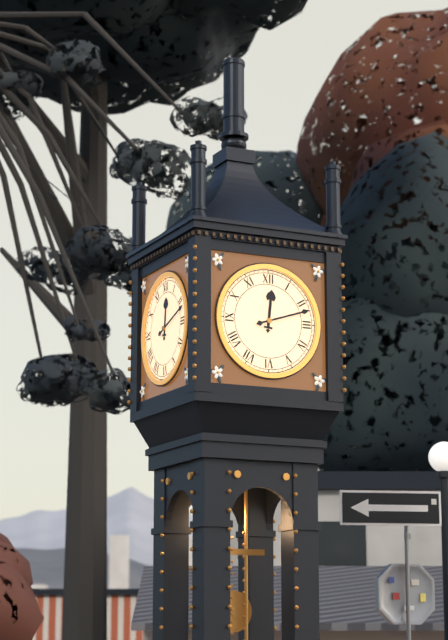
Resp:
h=12 m=12
